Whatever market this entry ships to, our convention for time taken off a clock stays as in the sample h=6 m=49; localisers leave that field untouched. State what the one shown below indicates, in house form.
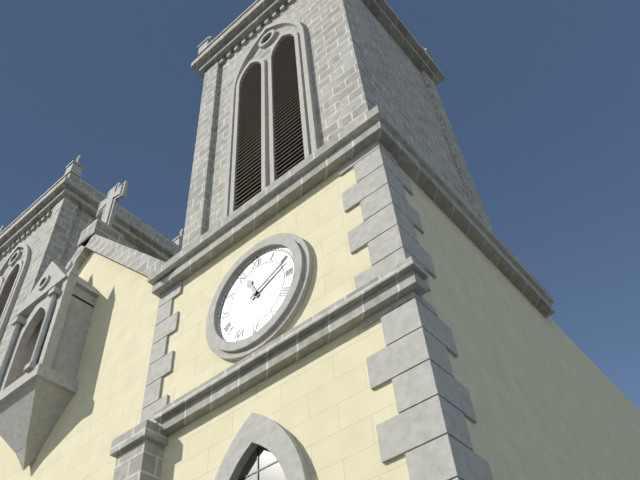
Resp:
h=11 m=11
